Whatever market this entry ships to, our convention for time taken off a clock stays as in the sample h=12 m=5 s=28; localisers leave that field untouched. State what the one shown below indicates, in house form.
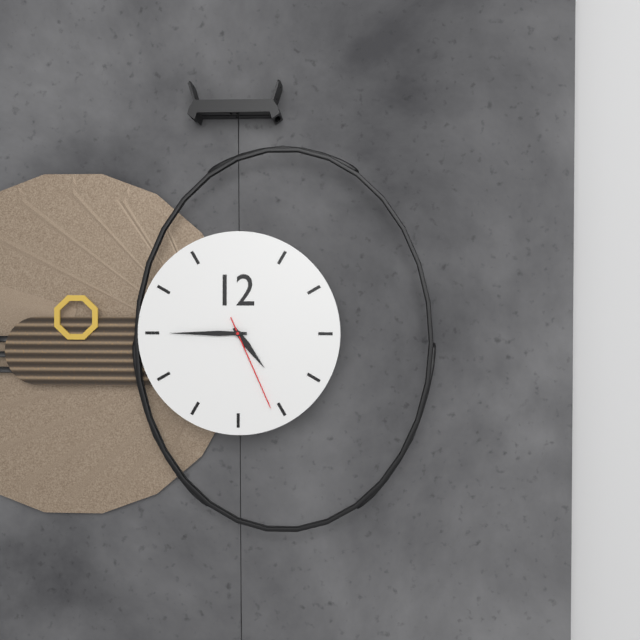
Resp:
h=4 m=45 s=26
